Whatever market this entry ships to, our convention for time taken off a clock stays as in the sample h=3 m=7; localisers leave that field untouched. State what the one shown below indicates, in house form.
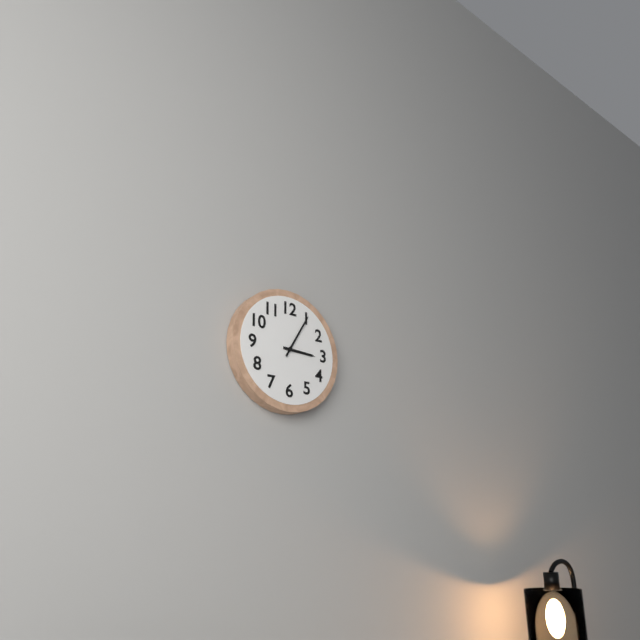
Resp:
h=3 m=5
